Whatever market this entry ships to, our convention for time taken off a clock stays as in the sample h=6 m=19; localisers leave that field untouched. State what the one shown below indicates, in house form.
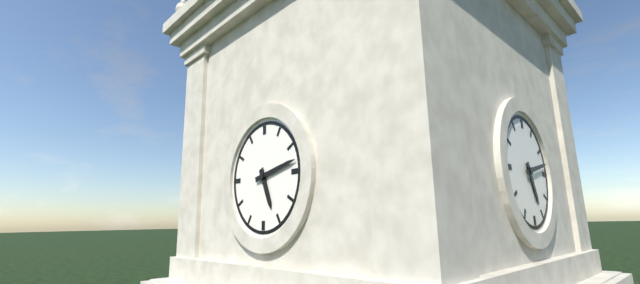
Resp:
h=5 m=13
